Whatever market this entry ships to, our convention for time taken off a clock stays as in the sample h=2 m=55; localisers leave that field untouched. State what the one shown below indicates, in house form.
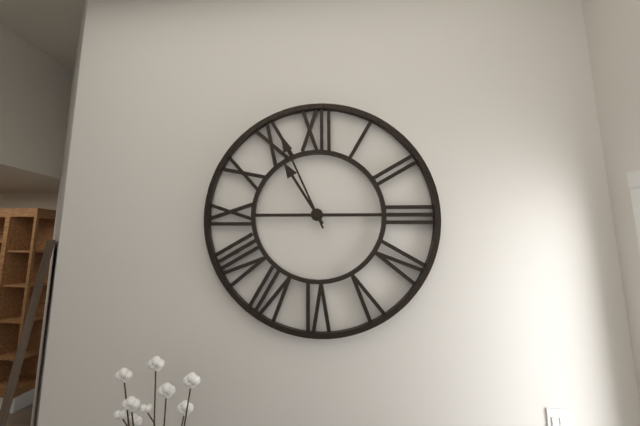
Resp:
h=10 m=56
